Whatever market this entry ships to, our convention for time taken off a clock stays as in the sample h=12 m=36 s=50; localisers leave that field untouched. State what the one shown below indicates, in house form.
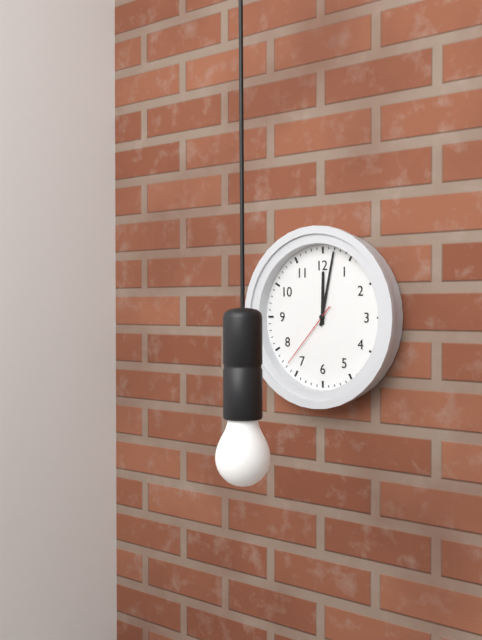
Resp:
h=12 m=2 s=37
